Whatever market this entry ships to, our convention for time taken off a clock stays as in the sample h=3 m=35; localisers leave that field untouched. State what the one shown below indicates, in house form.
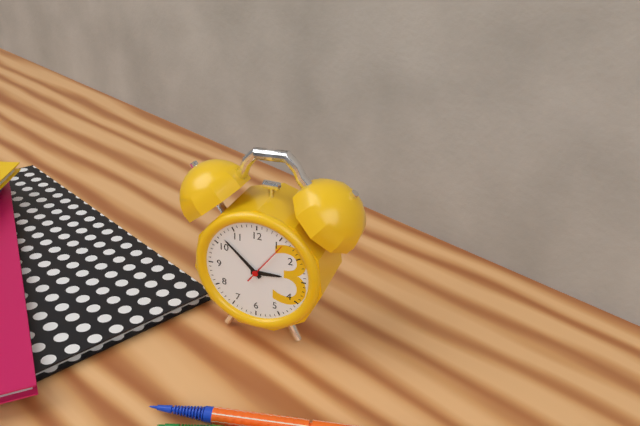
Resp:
h=2 m=52
